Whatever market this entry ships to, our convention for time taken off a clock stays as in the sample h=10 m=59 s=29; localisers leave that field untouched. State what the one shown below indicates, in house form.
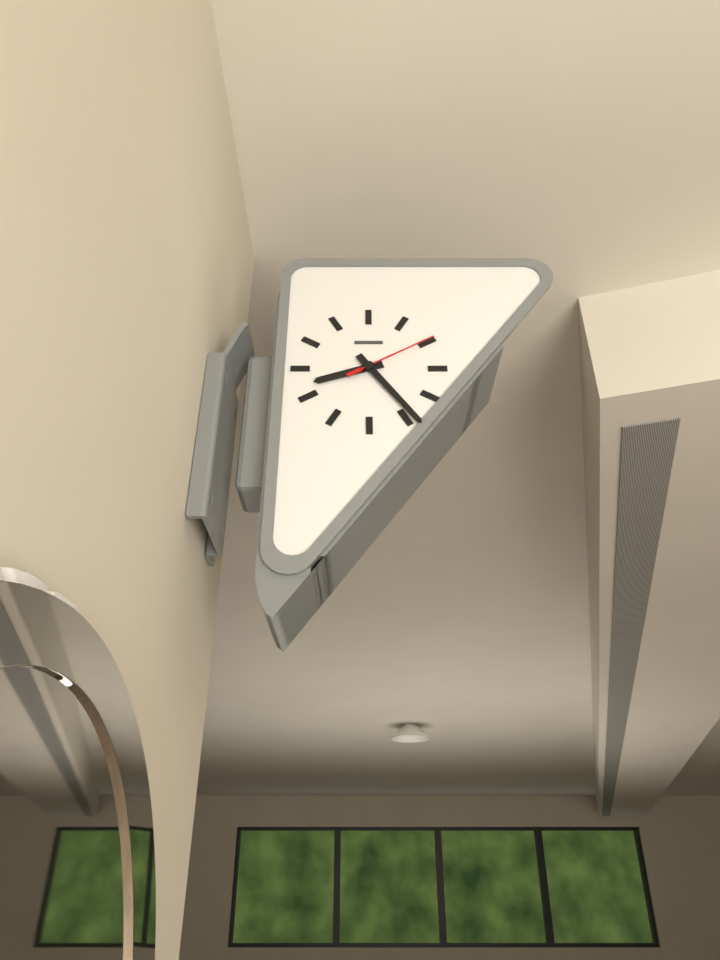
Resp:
h=8 m=24 s=10
